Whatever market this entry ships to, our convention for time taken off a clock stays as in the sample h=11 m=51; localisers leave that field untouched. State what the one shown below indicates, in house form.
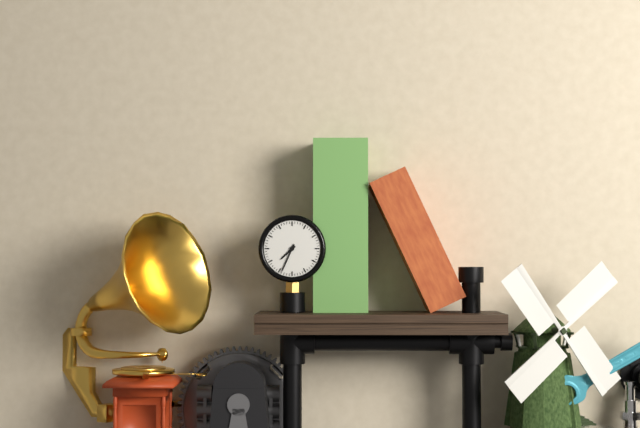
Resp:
h=7 m=34
